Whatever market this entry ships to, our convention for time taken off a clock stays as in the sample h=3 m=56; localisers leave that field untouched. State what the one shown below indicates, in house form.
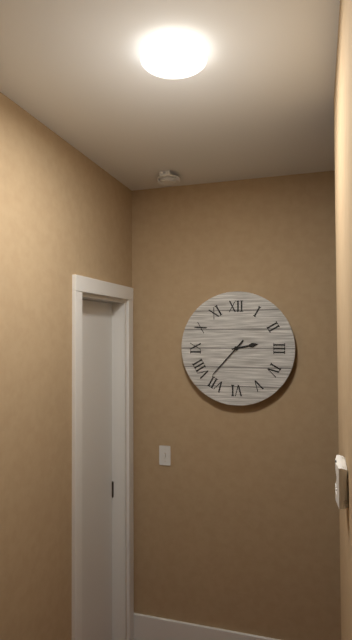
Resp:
h=2 m=37
